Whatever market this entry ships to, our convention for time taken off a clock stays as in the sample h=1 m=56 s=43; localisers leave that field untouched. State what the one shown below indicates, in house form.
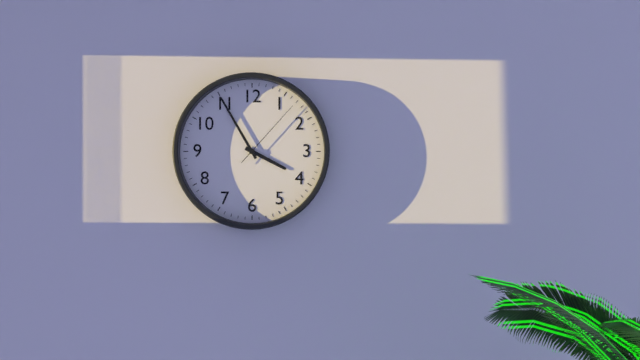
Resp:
h=3 m=55 s=7
